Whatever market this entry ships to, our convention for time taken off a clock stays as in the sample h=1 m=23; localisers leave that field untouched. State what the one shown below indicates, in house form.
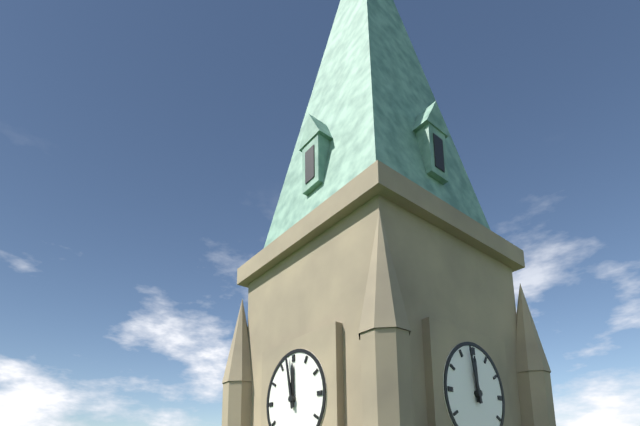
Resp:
h=11 m=58
